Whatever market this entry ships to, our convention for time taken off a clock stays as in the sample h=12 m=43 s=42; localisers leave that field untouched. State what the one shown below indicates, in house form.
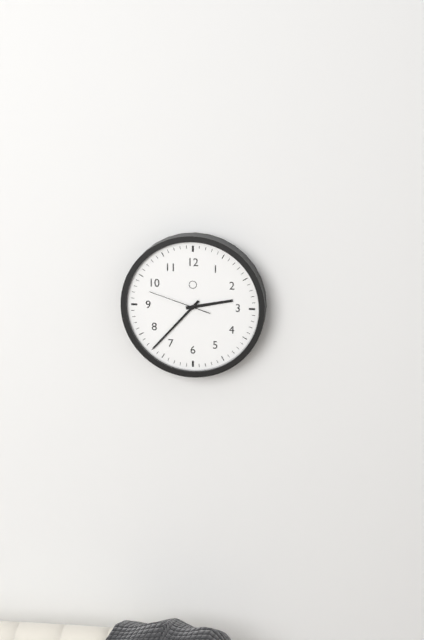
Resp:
h=2 m=37 s=48
